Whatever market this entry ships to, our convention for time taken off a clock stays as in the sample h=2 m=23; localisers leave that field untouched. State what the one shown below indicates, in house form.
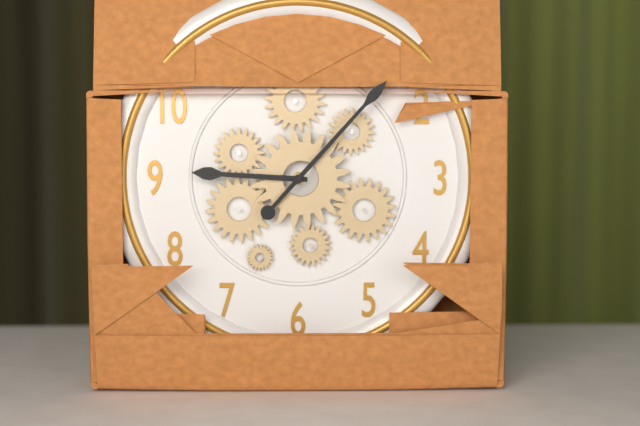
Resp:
h=9 m=7
